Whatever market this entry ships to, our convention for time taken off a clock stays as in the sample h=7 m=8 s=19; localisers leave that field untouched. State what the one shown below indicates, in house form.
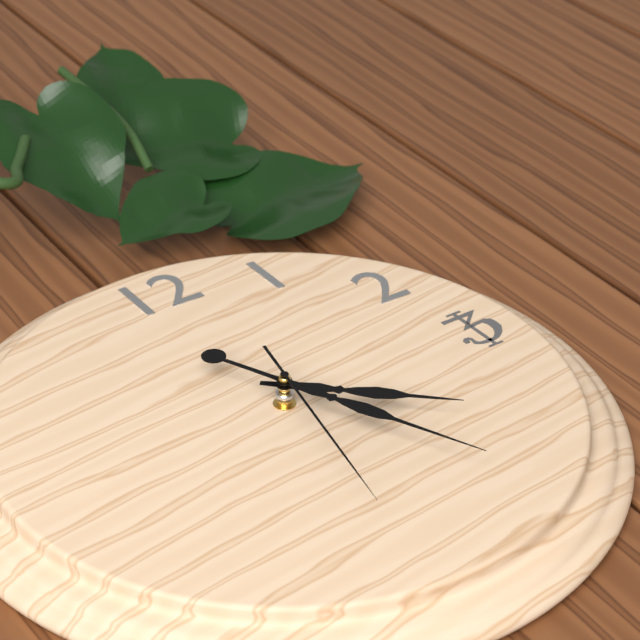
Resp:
h=4 m=26 s=32
